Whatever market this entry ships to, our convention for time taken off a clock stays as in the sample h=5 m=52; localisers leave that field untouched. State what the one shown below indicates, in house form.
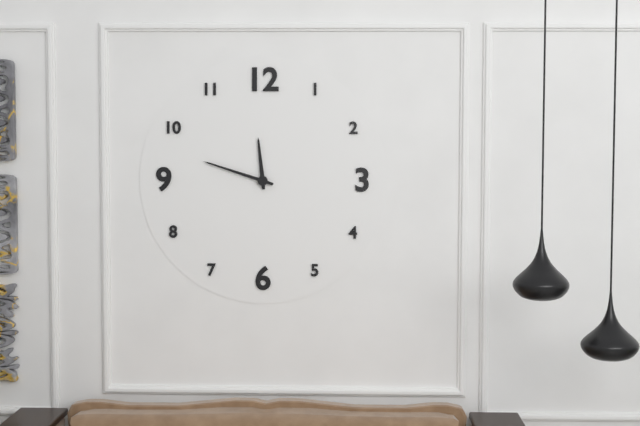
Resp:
h=11 m=48
